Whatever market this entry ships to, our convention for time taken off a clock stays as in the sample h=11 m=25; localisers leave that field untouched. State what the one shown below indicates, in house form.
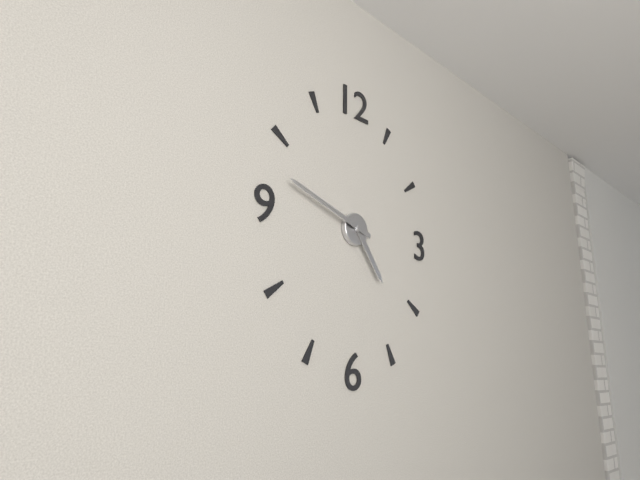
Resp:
h=4 m=48
